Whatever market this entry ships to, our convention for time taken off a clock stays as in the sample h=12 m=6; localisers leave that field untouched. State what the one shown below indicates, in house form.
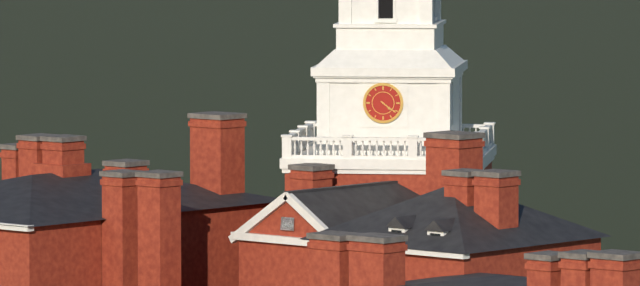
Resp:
h=4 m=21
